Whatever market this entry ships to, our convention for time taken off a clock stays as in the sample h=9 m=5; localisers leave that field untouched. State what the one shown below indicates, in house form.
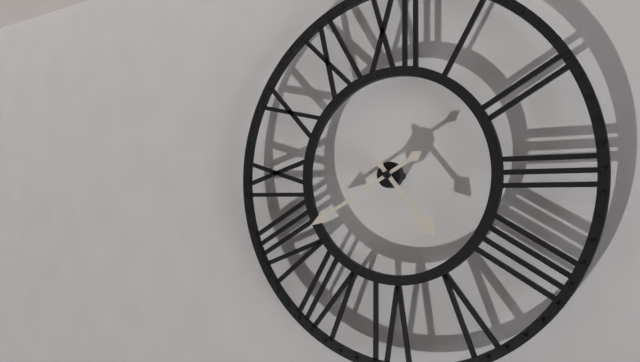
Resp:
h=4 m=40
